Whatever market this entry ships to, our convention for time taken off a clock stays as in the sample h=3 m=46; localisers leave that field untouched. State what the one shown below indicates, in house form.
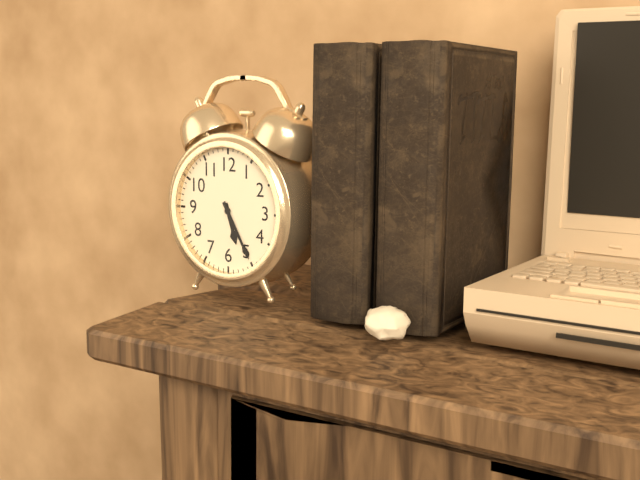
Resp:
h=5 m=25
